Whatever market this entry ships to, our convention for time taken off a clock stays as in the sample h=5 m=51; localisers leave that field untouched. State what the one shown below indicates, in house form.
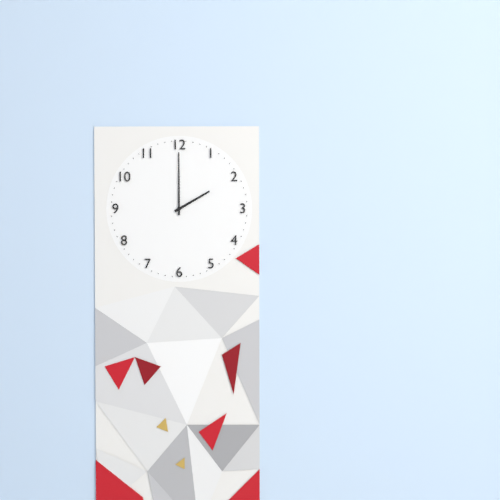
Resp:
h=2 m=0
